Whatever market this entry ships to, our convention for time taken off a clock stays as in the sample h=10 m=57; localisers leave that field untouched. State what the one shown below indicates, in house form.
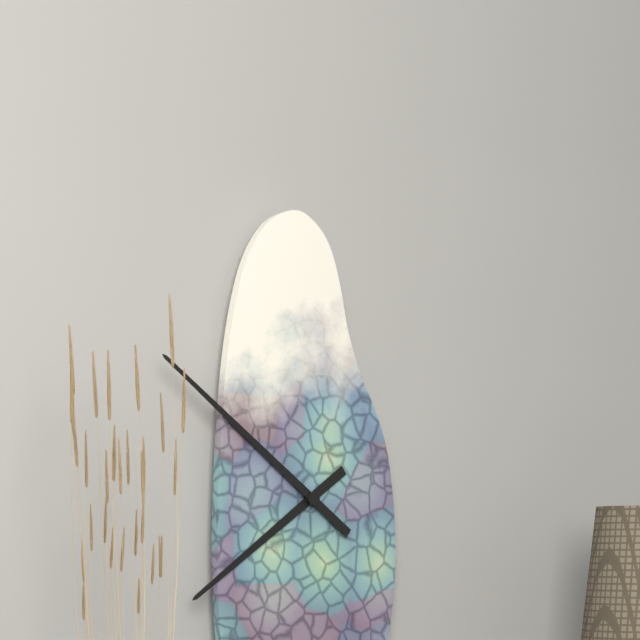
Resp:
h=7 m=51
